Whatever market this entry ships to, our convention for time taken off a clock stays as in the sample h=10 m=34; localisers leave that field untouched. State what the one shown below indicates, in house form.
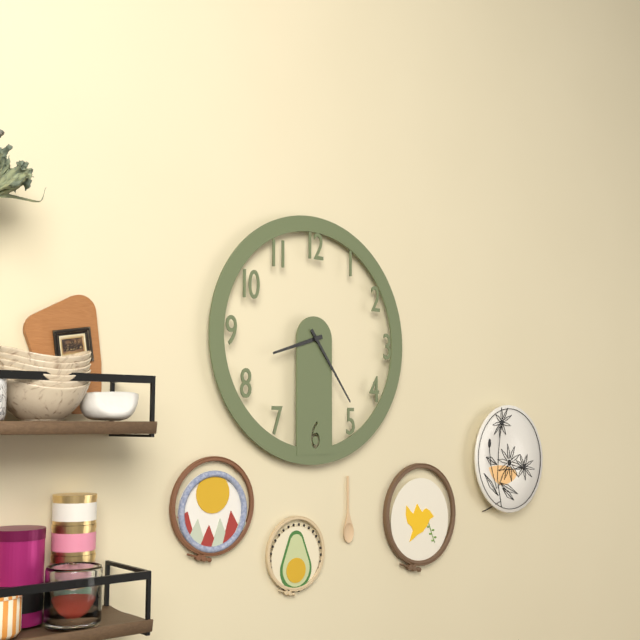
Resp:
h=8 m=24
